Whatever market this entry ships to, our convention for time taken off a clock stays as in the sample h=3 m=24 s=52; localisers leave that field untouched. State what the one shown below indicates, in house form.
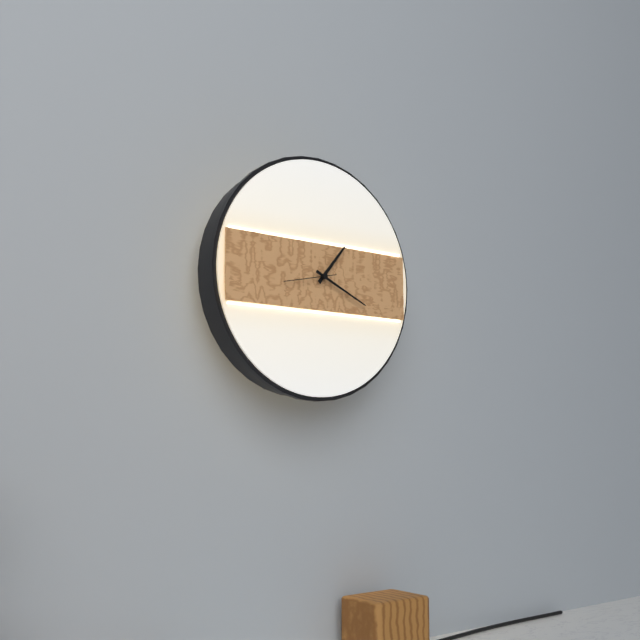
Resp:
h=1 m=19 s=43
